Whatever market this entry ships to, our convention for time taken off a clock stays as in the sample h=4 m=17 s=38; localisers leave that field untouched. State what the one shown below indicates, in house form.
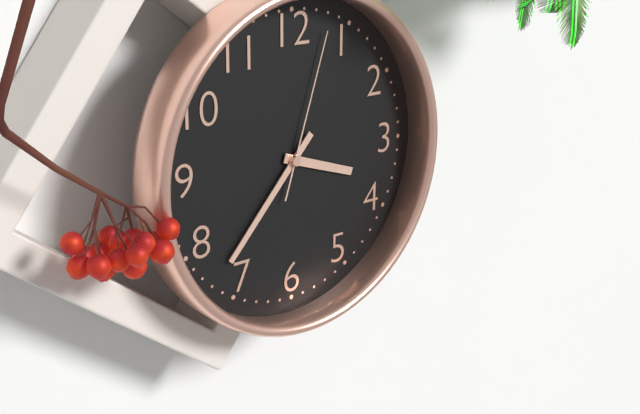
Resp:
h=3 m=37 s=3
